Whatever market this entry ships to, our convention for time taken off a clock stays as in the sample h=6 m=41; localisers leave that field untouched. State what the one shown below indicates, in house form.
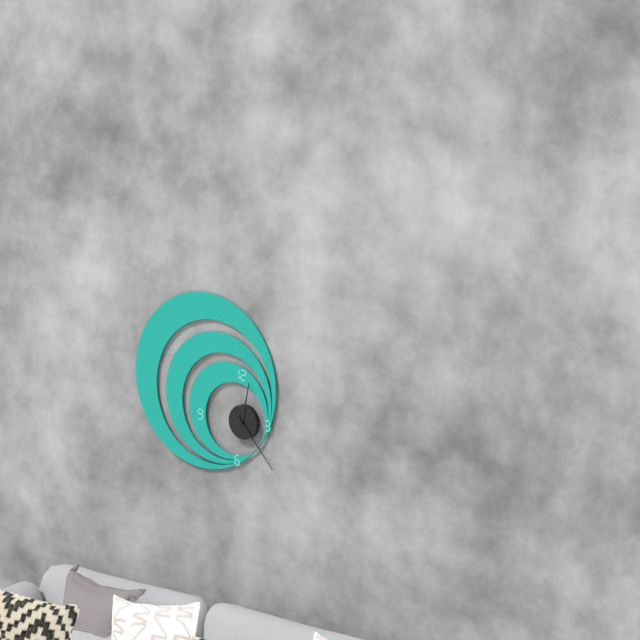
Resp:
h=12 m=23
